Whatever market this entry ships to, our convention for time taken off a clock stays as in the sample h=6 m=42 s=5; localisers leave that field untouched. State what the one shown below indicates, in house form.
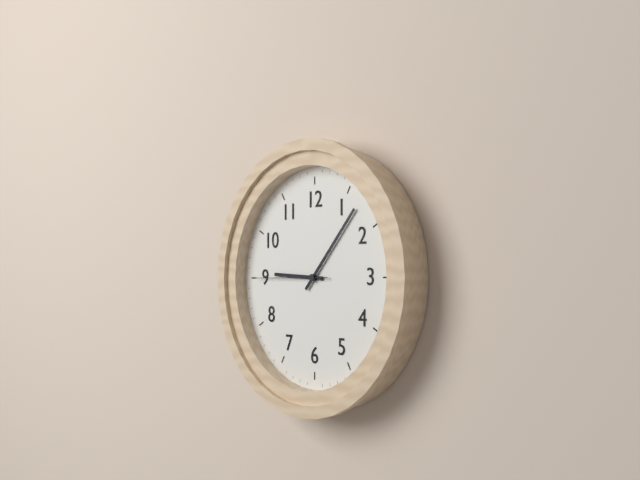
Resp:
h=9 m=7 s=45
